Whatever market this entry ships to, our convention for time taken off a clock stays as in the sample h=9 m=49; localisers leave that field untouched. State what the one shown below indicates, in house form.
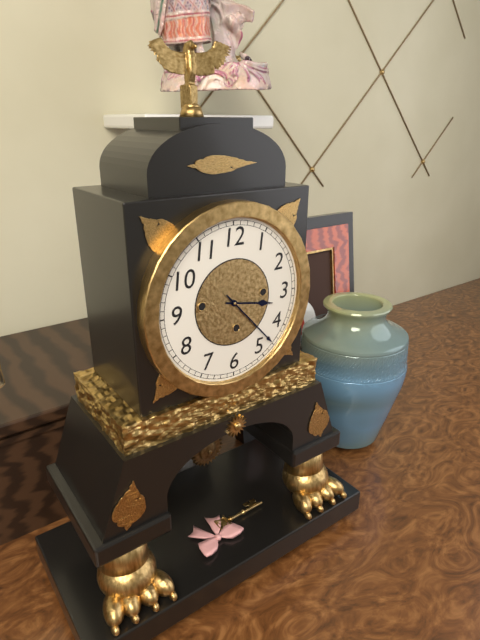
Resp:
h=3 m=23
